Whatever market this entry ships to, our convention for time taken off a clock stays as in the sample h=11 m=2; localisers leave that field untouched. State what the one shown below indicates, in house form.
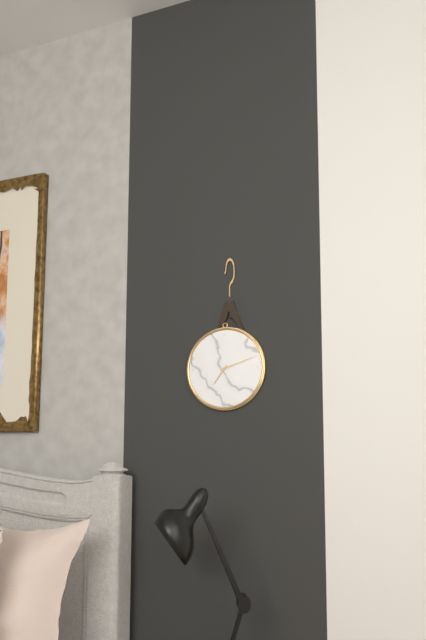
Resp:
h=7 m=12
